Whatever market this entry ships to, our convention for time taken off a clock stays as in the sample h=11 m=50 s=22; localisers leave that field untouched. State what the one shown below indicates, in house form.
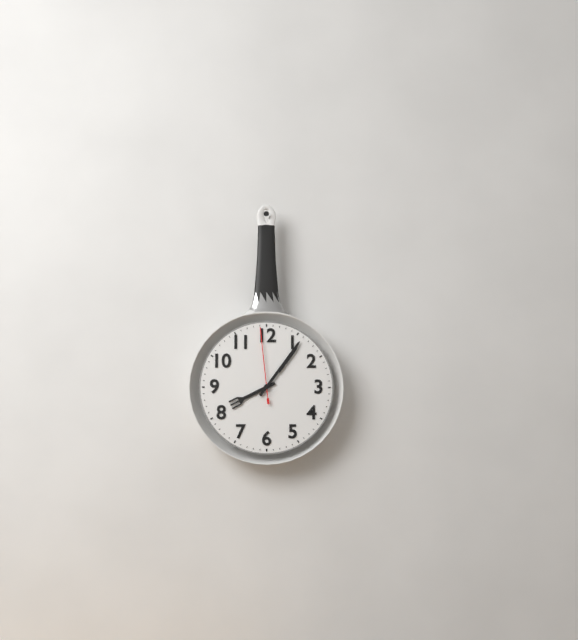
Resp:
h=8 m=6 s=59
